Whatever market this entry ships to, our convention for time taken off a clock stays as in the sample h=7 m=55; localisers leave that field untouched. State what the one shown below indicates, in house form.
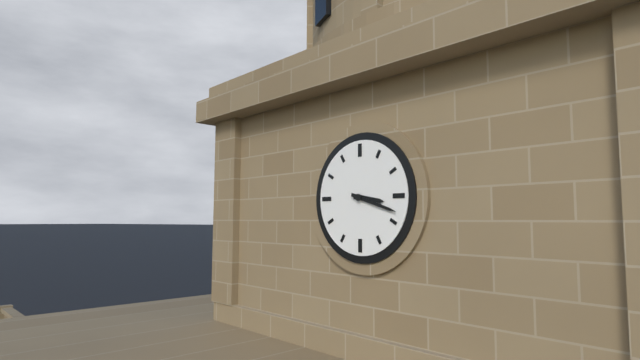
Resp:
h=3 m=18
